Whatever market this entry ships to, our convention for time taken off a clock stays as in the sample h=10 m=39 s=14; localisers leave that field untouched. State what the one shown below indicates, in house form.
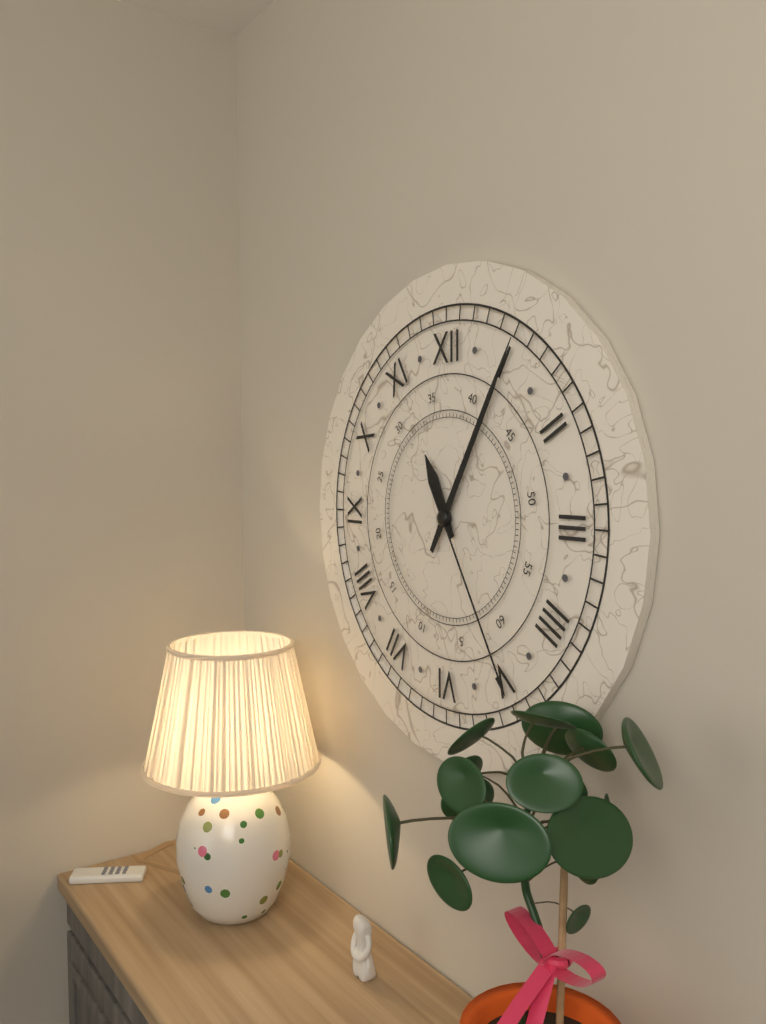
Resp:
h=11 m=5 s=25
